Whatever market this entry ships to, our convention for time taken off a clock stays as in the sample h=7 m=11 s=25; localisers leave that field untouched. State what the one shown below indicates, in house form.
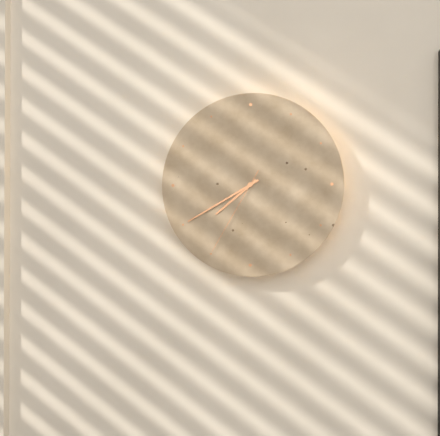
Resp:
h=7 m=40 s=35
